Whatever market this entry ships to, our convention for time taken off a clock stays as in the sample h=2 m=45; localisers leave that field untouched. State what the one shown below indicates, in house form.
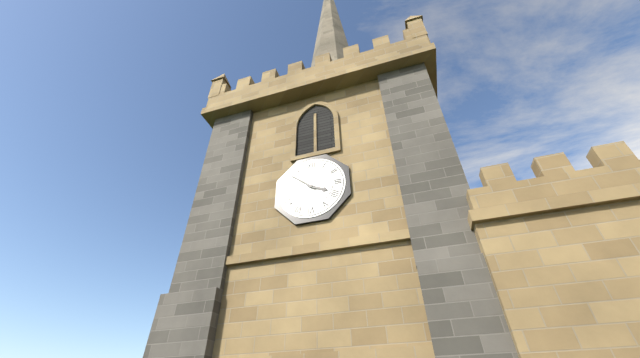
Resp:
h=3 m=52
